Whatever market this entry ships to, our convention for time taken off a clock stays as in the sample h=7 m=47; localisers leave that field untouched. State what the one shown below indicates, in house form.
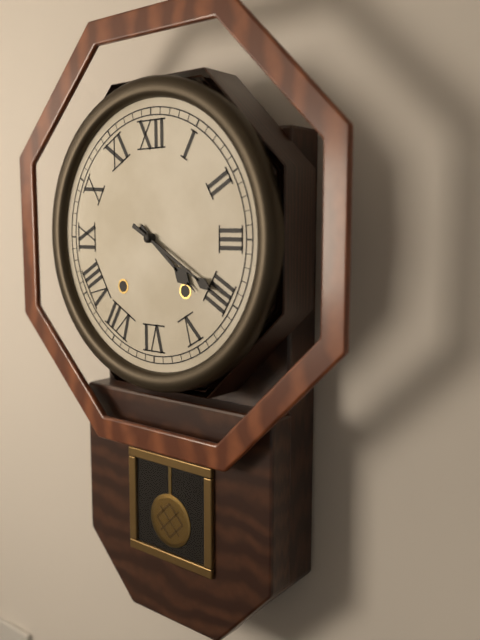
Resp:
h=4 m=20
